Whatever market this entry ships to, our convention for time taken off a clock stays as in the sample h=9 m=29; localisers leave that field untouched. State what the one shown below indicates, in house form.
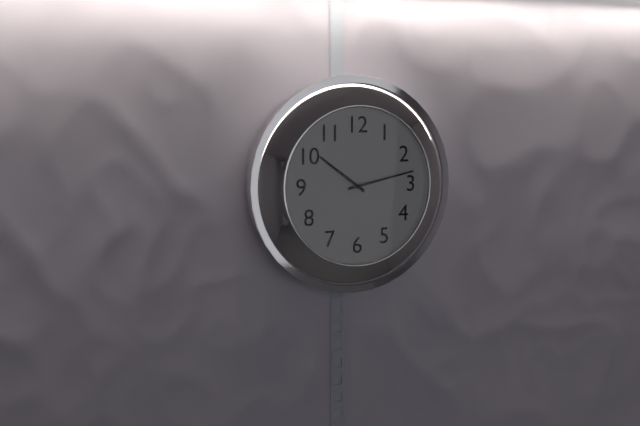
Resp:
h=10 m=13
